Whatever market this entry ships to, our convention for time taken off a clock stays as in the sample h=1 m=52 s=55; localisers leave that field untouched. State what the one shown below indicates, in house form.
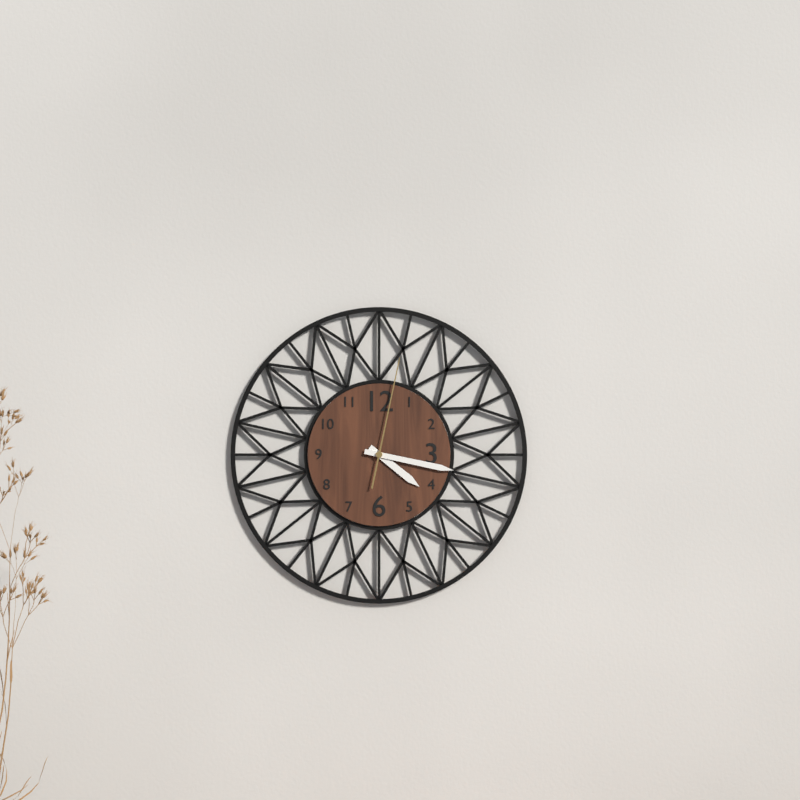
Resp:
h=4 m=17 s=2
